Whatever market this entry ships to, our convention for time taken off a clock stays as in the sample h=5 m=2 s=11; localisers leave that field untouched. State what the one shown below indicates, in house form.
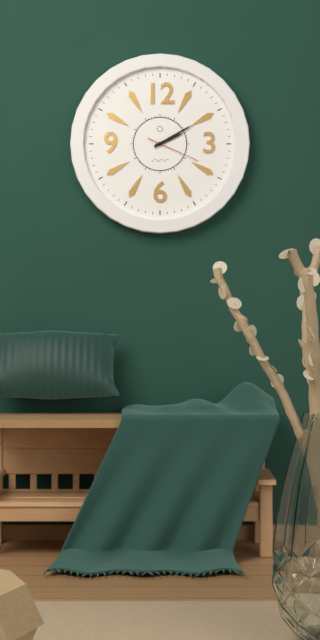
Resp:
h=2 m=10 s=19
